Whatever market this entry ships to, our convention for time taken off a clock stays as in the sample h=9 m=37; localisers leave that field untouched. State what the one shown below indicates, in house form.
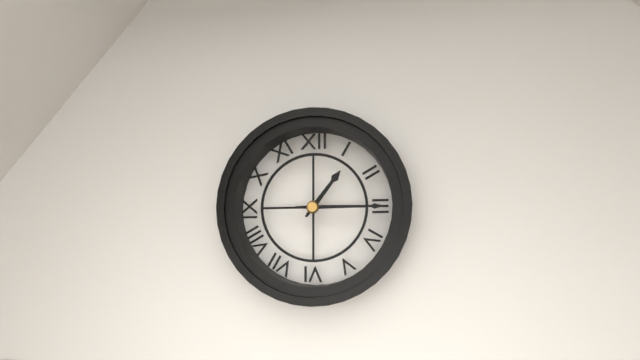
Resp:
h=1 m=15
